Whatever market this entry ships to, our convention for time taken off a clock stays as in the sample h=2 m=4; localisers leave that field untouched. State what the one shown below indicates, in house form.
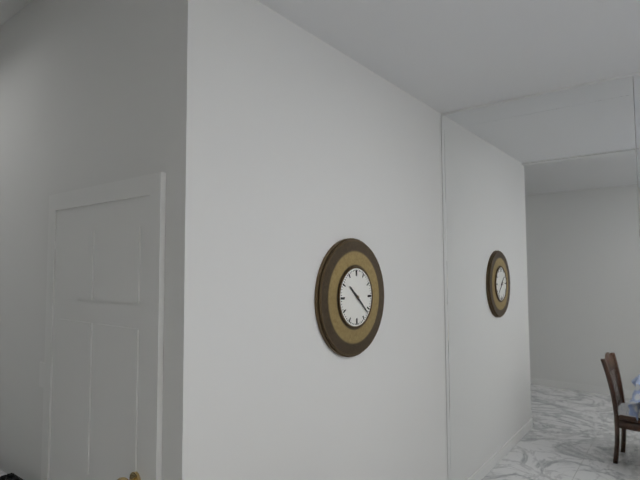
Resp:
h=10 m=22
